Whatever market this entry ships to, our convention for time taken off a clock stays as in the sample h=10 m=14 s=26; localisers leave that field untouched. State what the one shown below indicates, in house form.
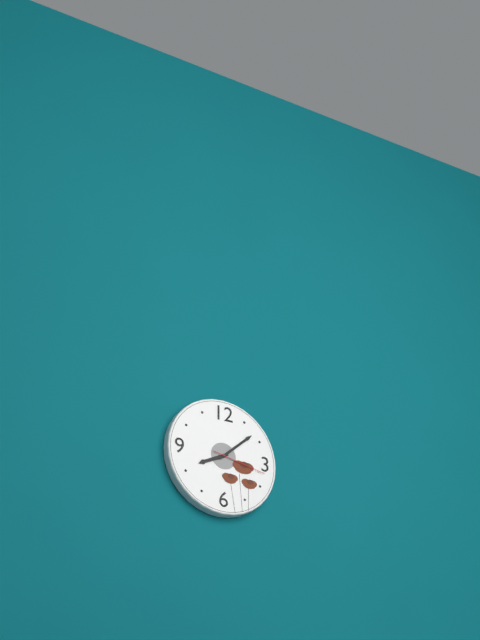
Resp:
h=8 m=8 s=17
